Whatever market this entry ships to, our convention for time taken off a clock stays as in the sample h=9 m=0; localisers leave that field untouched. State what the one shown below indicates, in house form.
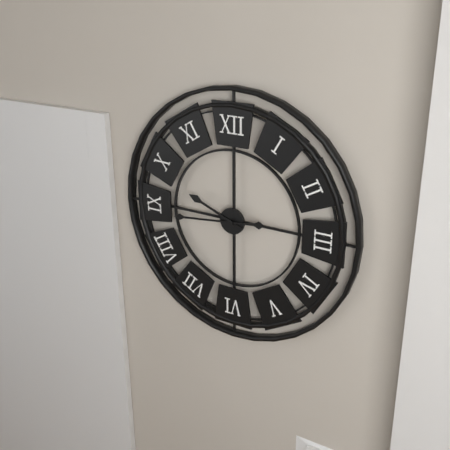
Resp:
h=9 m=44
